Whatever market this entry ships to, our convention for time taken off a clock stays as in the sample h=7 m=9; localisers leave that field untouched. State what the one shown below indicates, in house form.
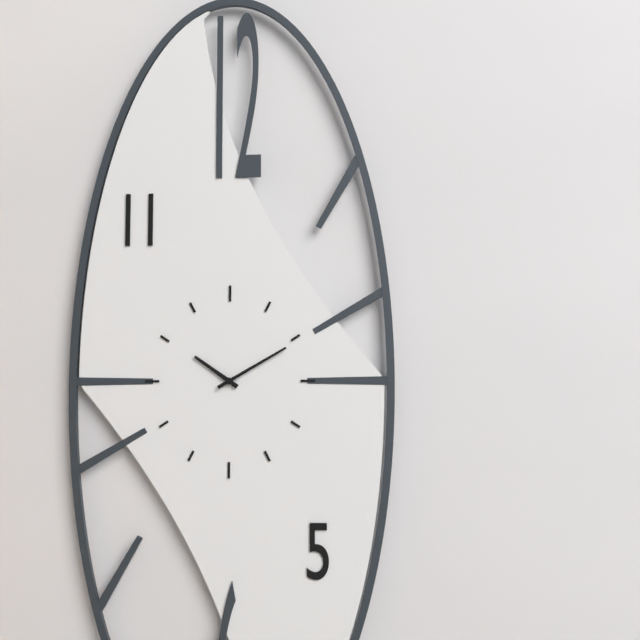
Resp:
h=10 m=10
